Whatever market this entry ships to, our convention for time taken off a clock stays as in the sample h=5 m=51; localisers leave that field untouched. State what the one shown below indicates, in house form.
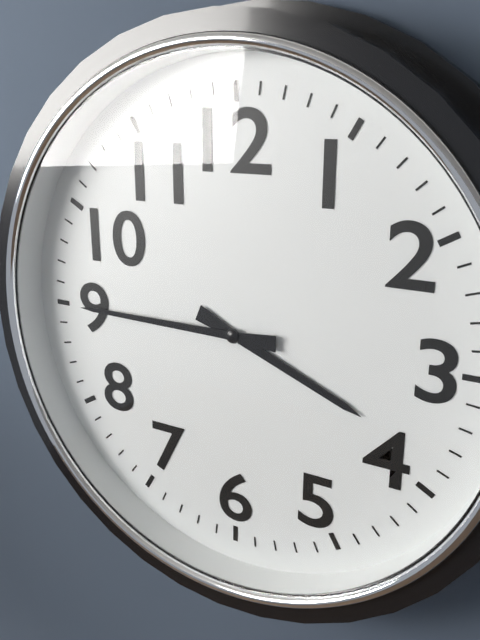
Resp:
h=3 m=45
